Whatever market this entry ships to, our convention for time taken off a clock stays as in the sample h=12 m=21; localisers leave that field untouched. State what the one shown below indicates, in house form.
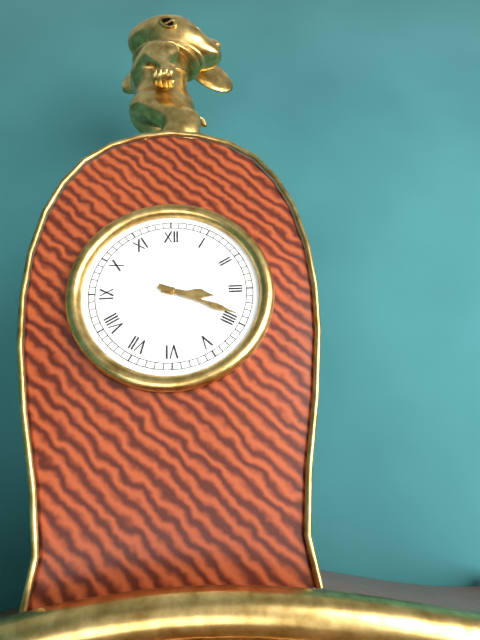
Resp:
h=3 m=19
